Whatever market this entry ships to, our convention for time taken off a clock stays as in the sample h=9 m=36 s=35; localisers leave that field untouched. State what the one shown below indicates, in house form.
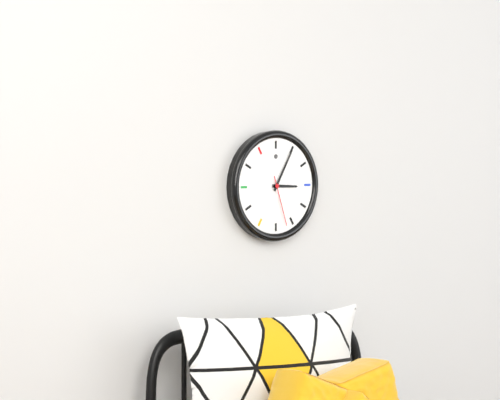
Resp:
h=3 m=5 s=27
